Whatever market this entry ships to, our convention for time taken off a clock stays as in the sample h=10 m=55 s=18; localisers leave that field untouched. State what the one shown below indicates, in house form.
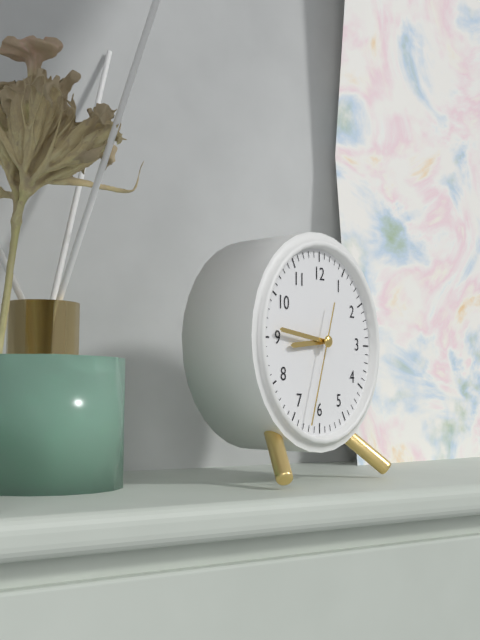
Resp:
h=8 m=46 s=33
